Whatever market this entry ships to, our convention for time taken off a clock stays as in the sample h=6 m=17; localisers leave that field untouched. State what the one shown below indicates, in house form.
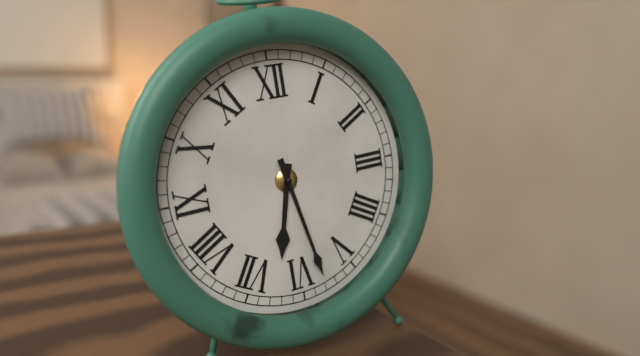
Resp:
h=6 m=28
